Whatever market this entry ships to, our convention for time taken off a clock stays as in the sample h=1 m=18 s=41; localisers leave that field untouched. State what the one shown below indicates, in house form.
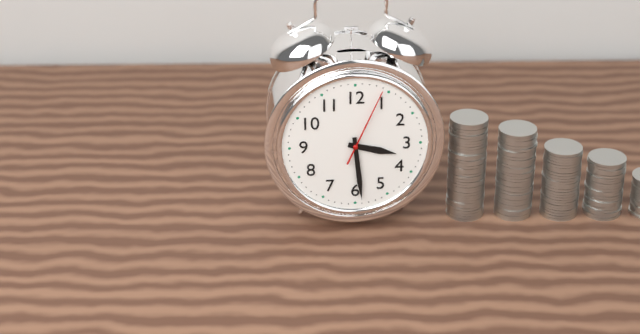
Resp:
h=3 m=29 s=4
